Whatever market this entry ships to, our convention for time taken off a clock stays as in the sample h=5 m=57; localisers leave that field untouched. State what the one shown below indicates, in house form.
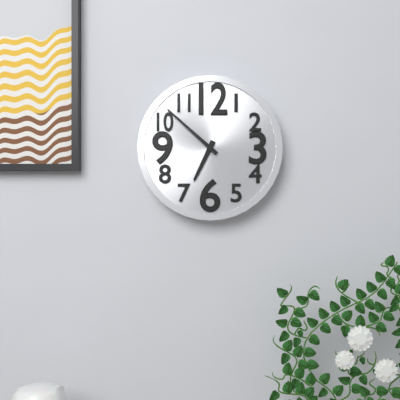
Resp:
h=6 m=52
